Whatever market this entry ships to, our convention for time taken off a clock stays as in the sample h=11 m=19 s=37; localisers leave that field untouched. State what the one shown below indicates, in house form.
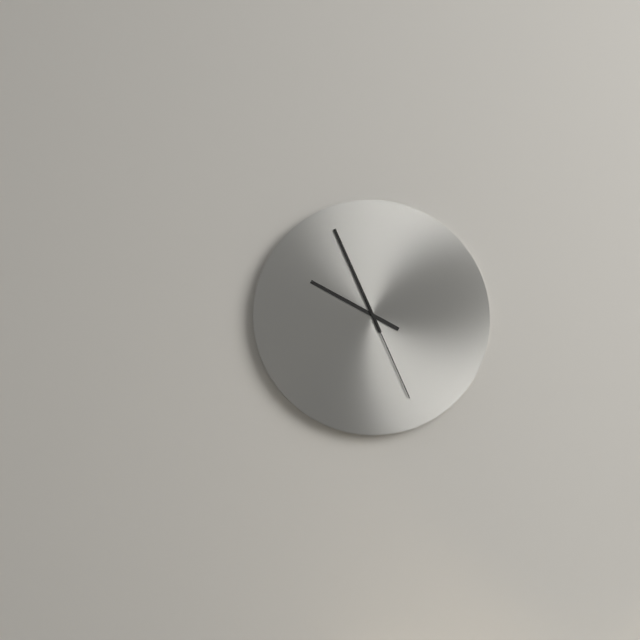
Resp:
h=9 m=56 s=26
